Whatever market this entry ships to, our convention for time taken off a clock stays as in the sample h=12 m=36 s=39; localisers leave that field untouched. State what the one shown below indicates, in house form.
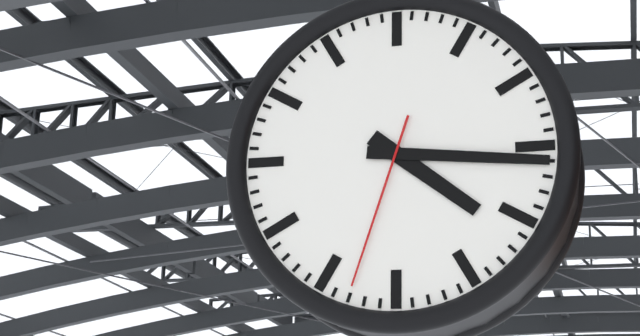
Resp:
h=4 m=16 s=33
